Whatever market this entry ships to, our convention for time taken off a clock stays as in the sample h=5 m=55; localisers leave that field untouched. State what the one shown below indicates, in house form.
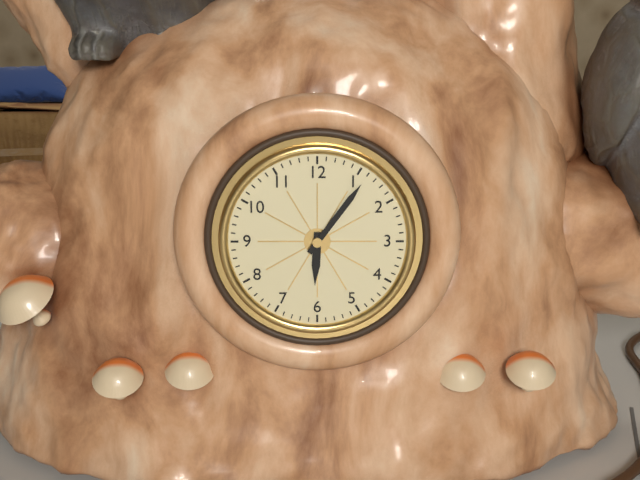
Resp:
h=6 m=6
